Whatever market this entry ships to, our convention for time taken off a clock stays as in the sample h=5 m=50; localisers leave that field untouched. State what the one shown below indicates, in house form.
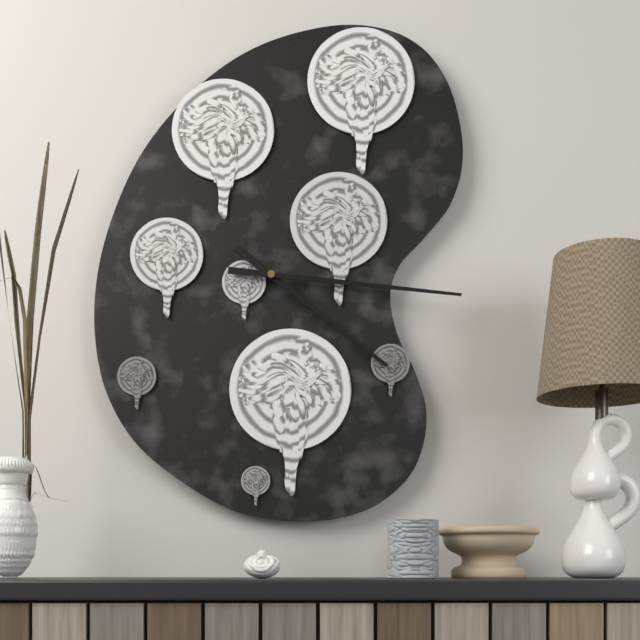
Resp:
h=4 m=16
